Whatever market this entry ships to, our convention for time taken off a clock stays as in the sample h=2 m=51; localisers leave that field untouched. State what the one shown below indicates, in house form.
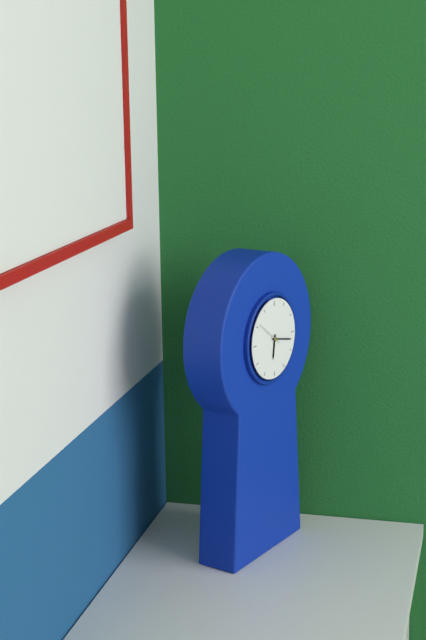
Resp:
h=6 m=17
